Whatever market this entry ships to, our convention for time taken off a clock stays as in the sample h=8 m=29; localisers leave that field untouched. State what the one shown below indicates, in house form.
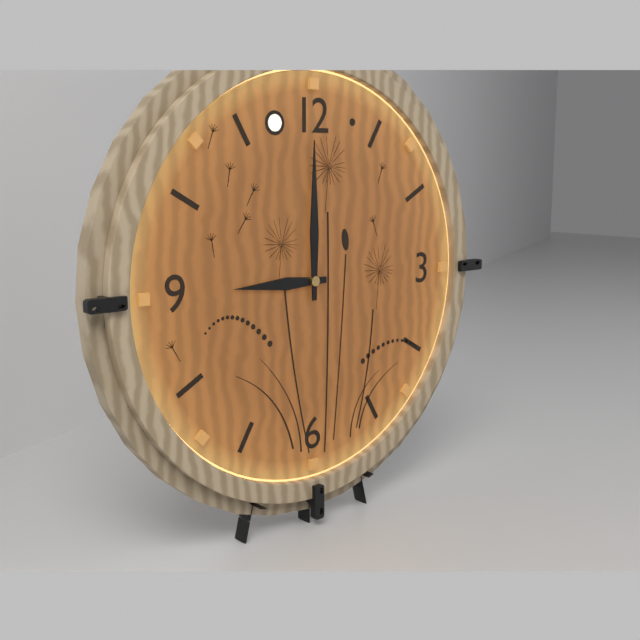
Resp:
h=9 m=0
